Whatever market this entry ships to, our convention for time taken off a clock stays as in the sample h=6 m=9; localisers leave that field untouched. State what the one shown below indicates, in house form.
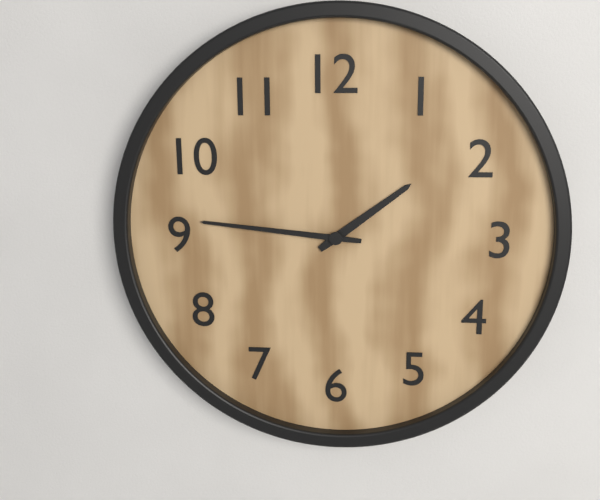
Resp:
h=1 m=46
